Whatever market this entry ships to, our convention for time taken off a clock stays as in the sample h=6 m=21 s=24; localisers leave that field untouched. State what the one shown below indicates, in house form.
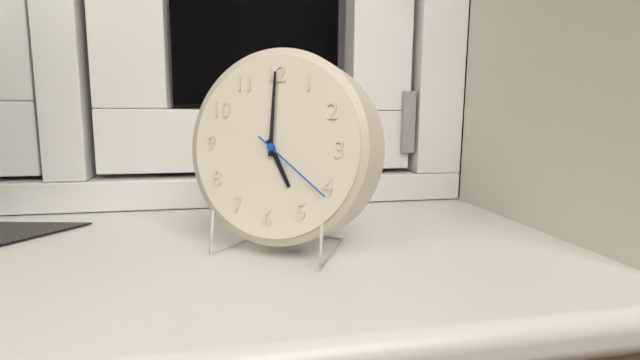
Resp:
h=5 m=0 s=21
